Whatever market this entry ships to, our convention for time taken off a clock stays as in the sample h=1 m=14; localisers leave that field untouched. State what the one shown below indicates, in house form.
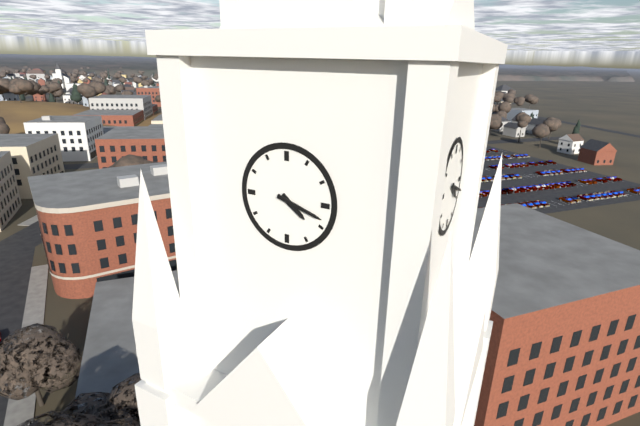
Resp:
h=4 m=18
